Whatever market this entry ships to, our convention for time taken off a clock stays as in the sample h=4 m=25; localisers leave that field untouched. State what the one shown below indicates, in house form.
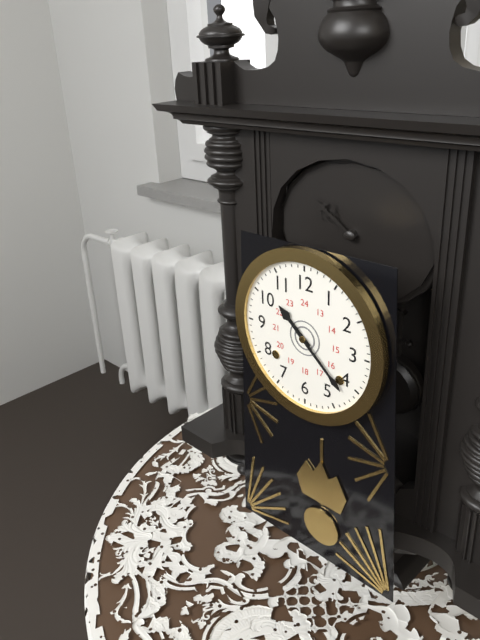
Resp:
h=10 m=22
